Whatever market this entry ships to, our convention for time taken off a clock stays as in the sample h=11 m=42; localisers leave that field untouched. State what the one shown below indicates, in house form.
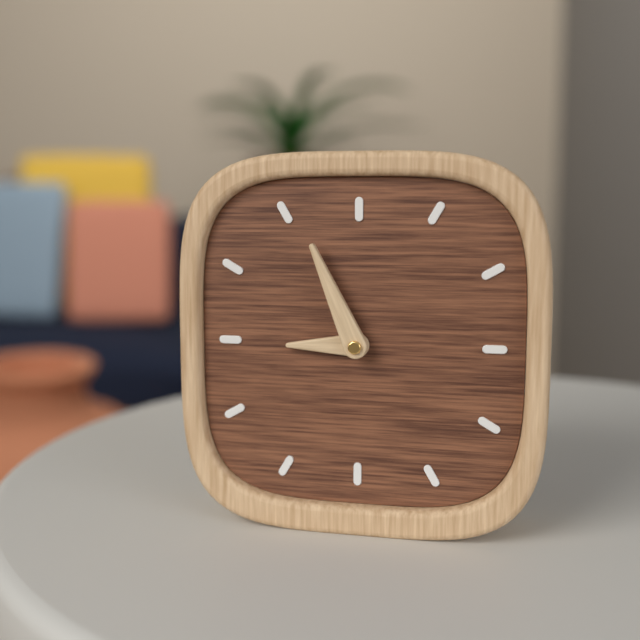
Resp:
h=8 m=56
